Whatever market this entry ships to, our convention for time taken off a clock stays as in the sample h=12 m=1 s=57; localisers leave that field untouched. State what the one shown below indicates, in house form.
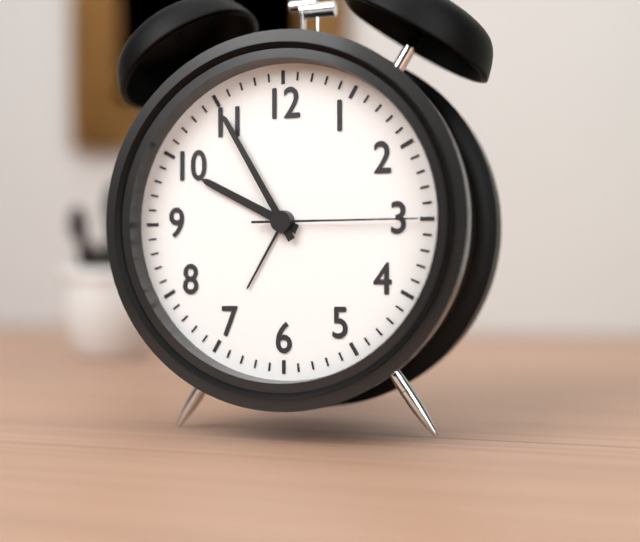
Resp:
h=9 m=55 s=15
